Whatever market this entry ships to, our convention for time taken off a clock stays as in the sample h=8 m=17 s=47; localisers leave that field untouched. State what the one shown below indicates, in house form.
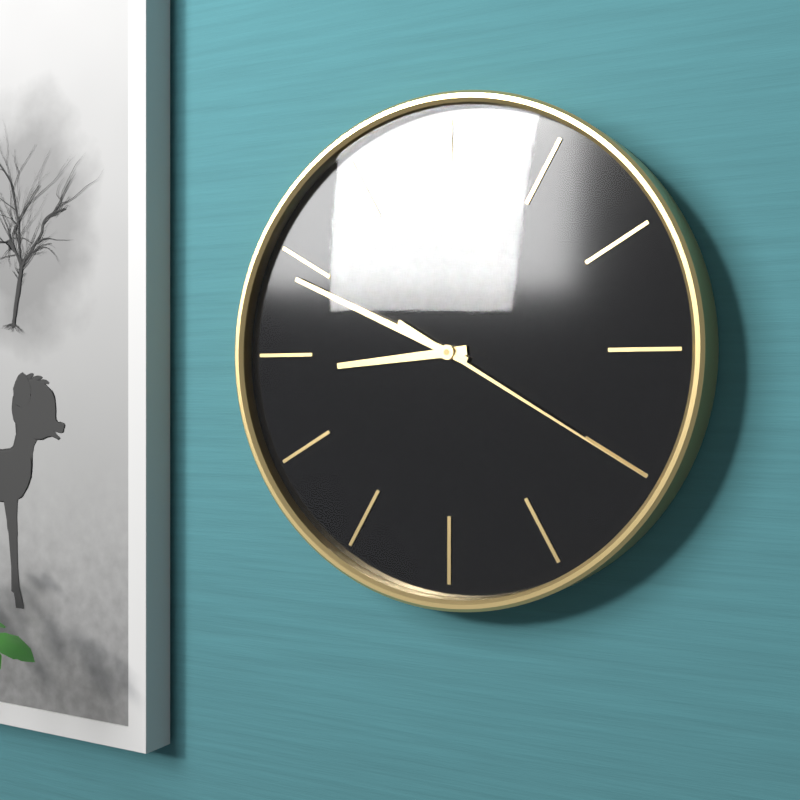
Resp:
h=8 m=49 s=20
